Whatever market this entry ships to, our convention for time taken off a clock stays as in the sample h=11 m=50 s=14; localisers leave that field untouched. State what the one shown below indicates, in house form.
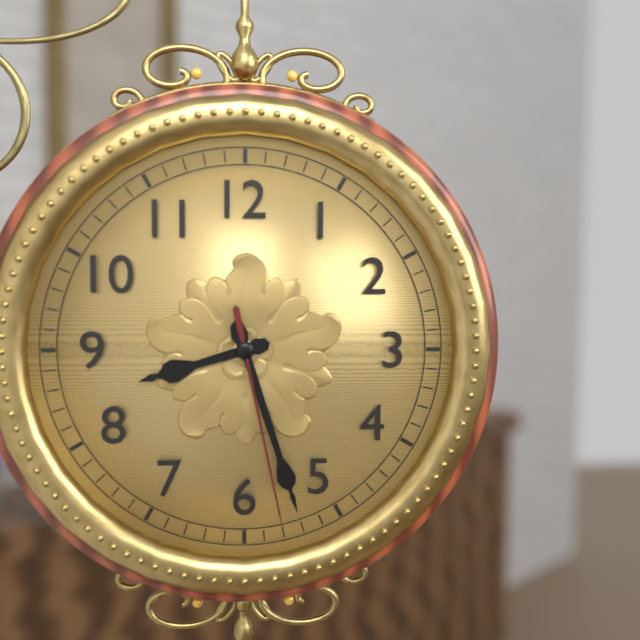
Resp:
h=8 m=27 s=28
